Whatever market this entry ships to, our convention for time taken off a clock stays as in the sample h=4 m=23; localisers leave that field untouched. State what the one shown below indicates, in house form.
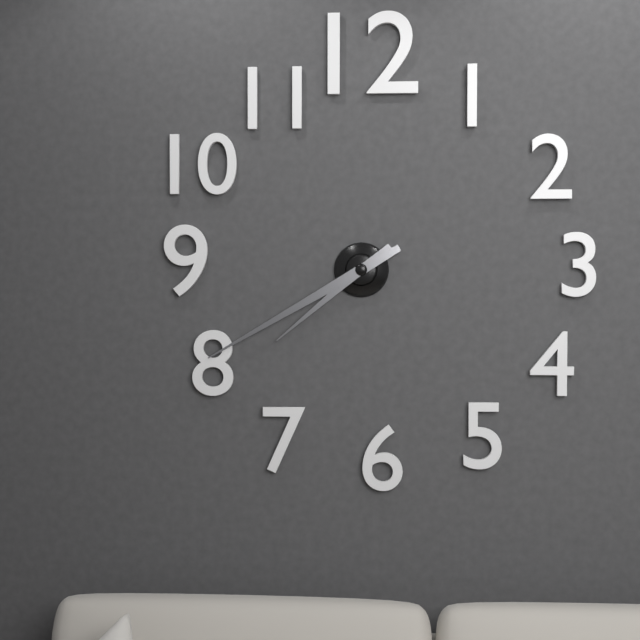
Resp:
h=7 m=40
